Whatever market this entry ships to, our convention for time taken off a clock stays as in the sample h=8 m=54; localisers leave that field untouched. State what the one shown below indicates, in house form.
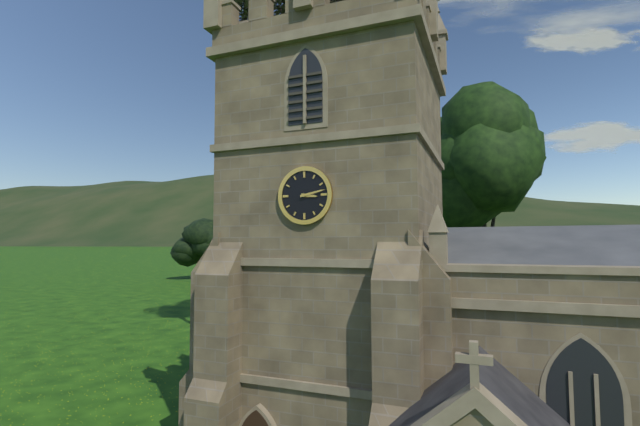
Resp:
h=3 m=13
